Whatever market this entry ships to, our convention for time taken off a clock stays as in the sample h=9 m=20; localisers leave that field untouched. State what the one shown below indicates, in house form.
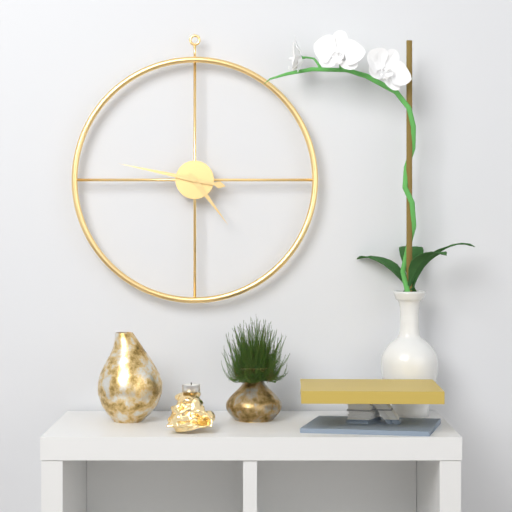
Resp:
h=4 m=47
